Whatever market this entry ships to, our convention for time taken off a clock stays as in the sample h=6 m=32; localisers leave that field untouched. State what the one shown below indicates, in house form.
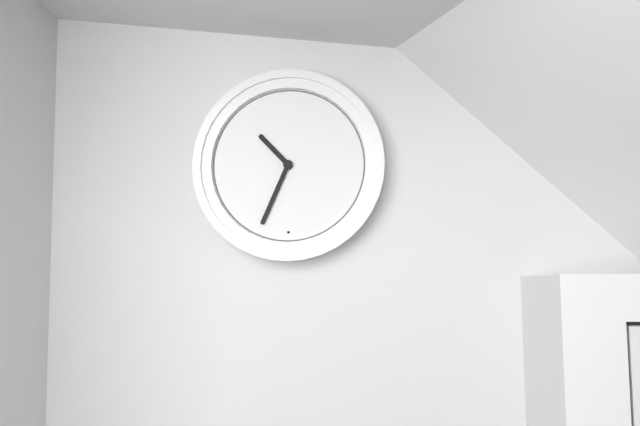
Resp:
h=10 m=34
